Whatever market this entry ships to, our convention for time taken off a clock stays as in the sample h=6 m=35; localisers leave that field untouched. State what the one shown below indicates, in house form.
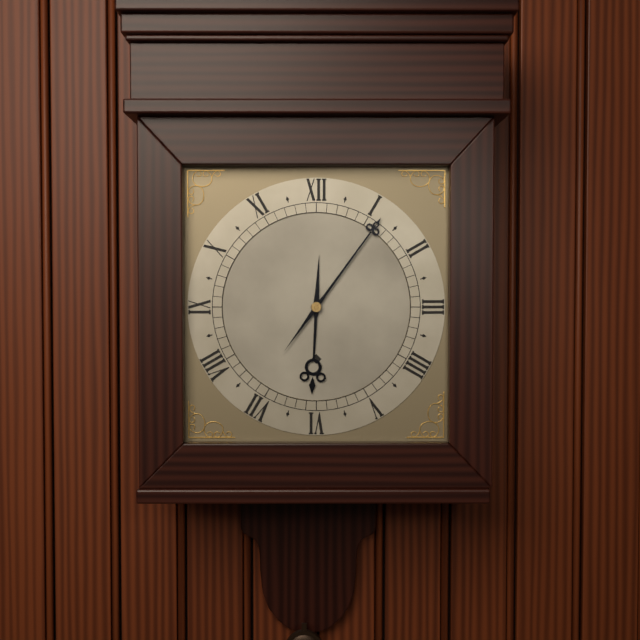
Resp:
h=6 m=6
